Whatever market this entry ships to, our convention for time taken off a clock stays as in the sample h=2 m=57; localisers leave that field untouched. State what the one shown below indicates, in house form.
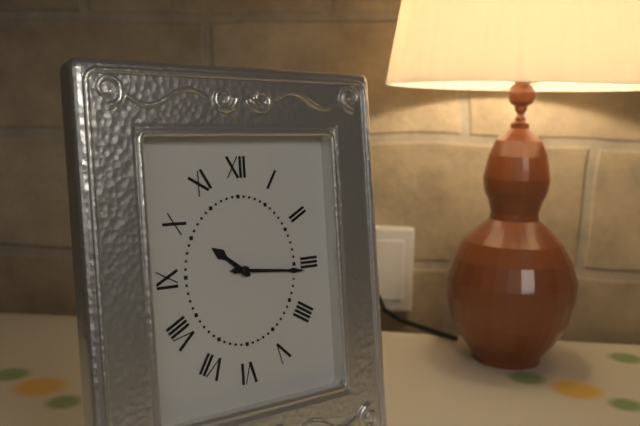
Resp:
h=10 m=16
